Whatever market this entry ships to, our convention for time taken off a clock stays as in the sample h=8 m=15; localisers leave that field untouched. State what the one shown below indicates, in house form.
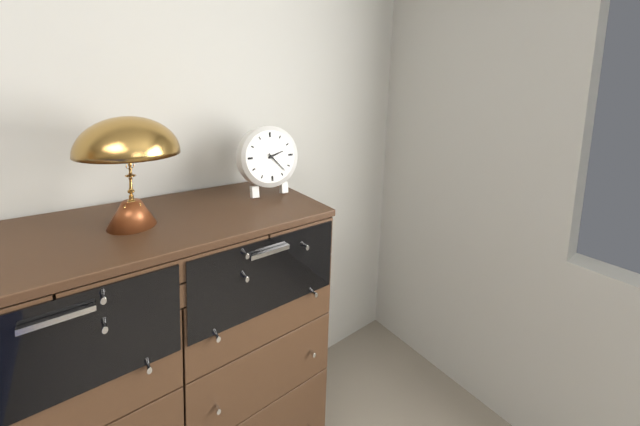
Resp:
h=2 m=23
